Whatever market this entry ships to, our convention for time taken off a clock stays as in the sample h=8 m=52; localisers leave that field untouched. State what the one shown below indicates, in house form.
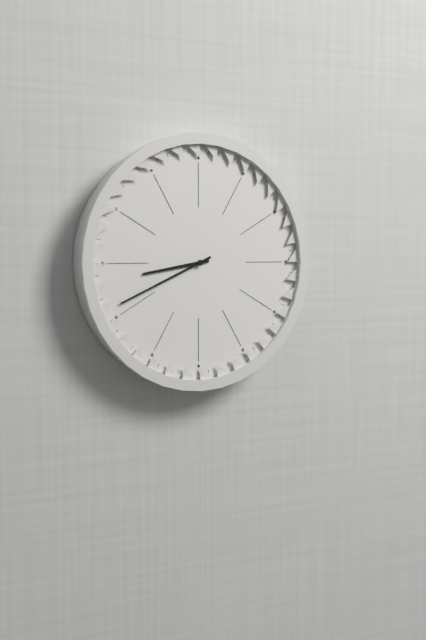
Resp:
h=8 m=41
